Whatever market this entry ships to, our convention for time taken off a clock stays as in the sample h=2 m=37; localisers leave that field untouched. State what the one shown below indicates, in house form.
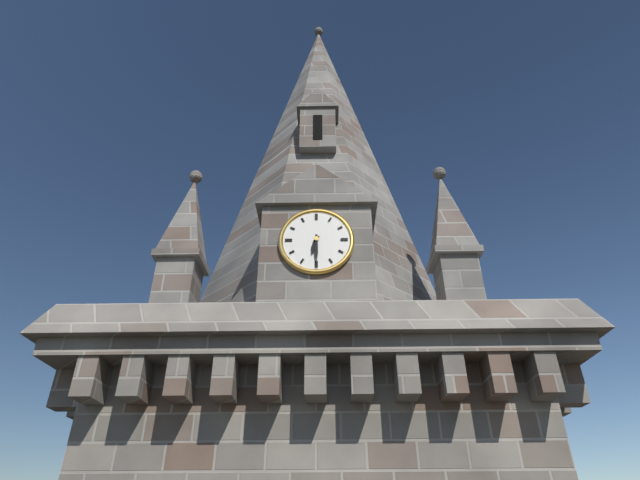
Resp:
h=6 m=30
